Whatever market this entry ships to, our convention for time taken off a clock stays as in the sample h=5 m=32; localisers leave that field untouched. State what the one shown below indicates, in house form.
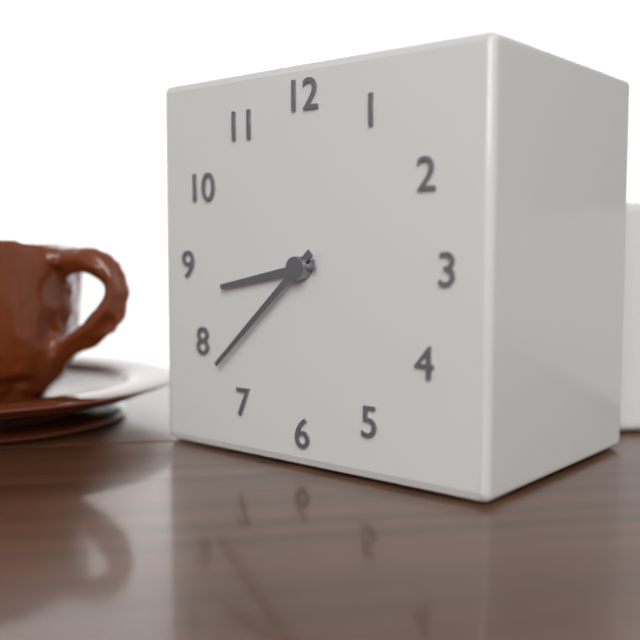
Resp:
h=8 m=38
